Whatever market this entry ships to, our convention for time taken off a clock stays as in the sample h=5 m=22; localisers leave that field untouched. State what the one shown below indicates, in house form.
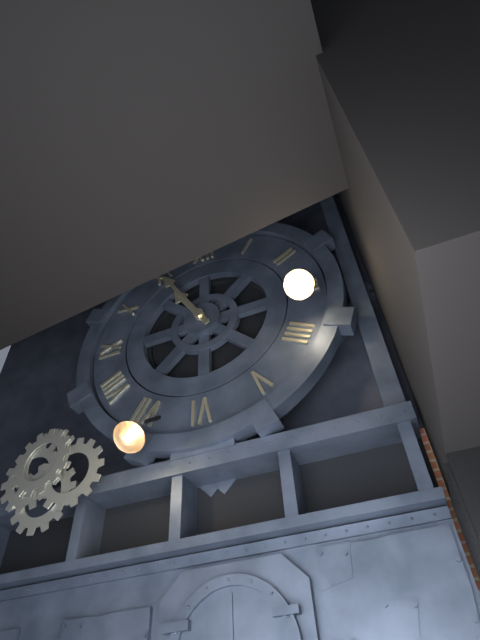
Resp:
h=10 m=55
